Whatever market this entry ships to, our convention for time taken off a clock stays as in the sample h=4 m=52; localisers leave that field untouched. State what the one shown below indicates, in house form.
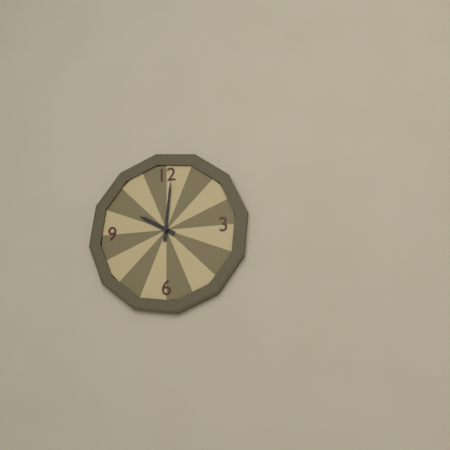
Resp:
h=10 m=1
